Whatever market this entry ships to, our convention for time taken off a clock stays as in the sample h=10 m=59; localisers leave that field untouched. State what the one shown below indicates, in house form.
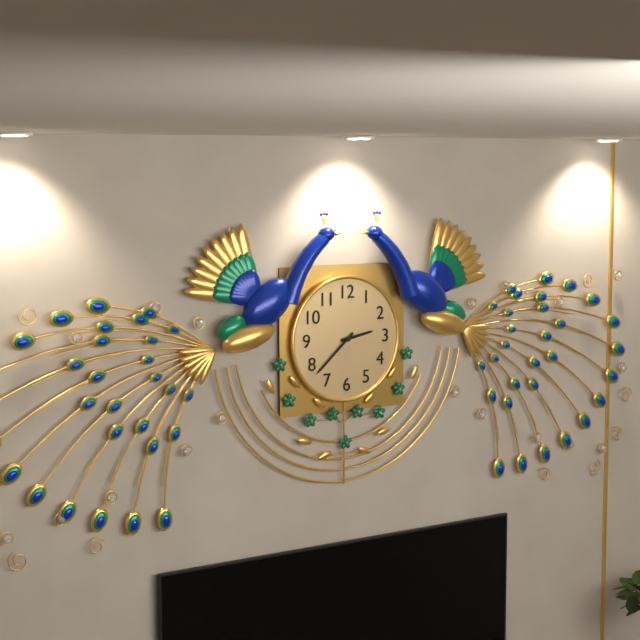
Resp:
h=2 m=38
